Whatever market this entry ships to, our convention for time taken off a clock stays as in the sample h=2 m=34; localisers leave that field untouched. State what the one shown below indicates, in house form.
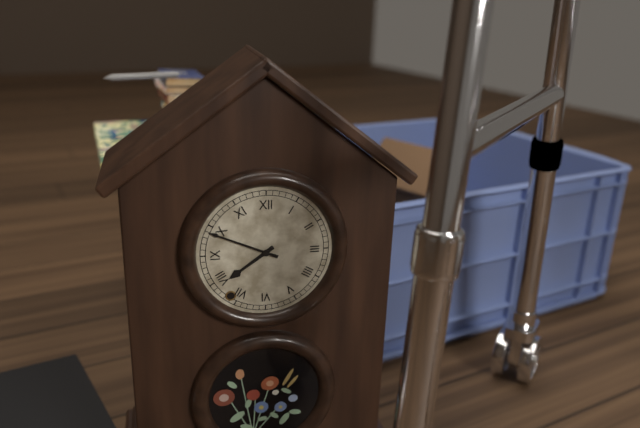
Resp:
h=7 m=49
